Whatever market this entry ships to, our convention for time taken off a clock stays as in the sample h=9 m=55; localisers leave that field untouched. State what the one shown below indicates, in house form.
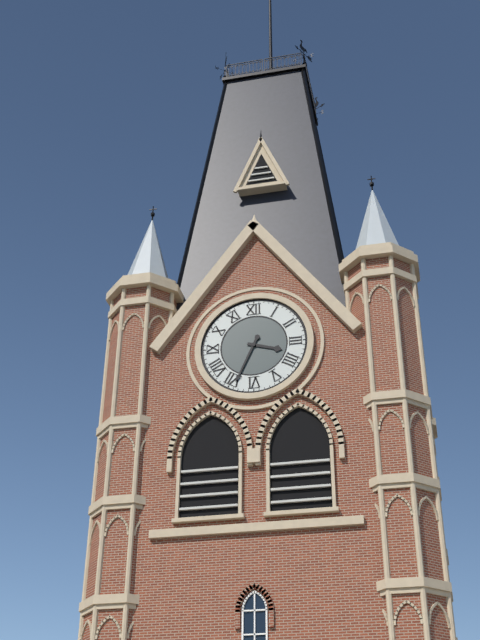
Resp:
h=3 m=34
